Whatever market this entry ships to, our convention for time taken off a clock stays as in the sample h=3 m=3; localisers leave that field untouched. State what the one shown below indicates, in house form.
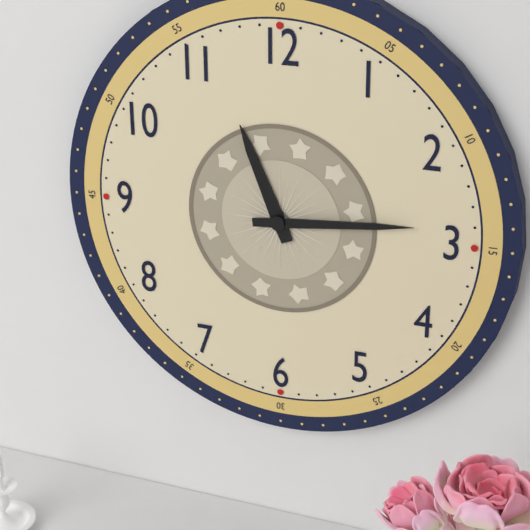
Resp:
h=11 m=14
